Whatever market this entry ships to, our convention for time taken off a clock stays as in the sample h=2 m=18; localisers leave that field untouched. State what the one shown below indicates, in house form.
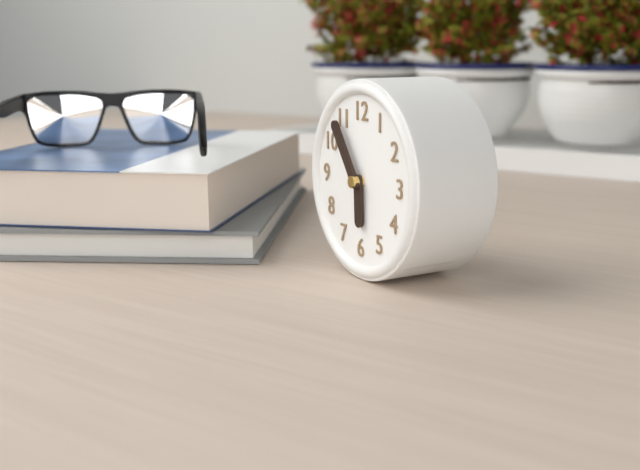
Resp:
h=5 m=54
